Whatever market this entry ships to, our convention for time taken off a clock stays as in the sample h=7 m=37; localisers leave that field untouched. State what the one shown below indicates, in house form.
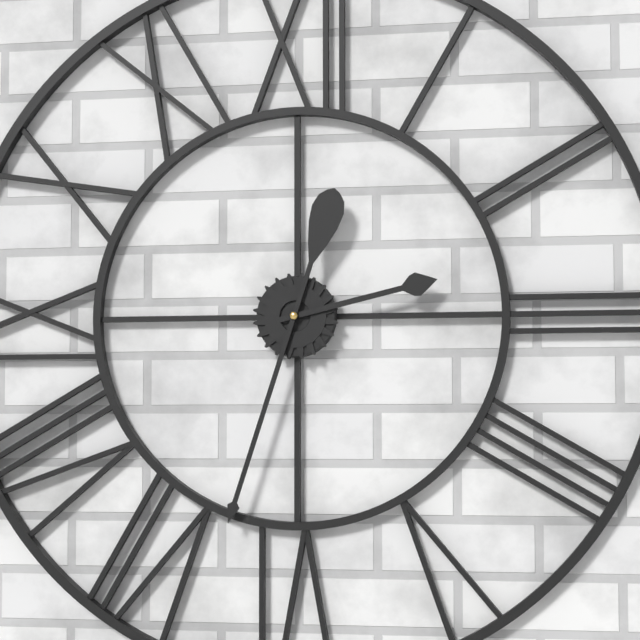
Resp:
h=2 m=33
